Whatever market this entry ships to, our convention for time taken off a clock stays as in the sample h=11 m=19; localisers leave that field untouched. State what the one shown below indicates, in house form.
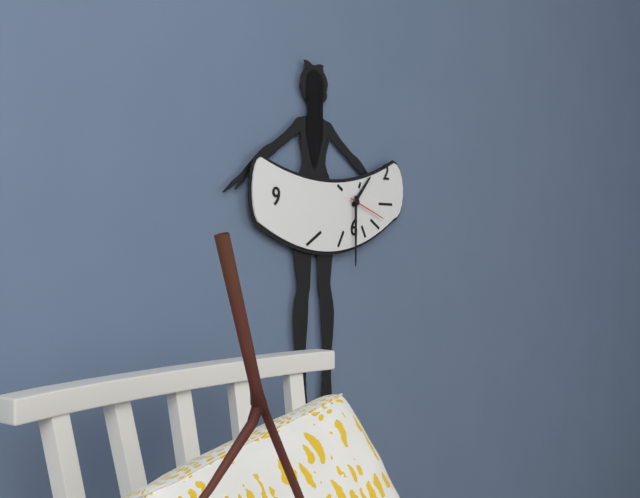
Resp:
h=1 m=30
